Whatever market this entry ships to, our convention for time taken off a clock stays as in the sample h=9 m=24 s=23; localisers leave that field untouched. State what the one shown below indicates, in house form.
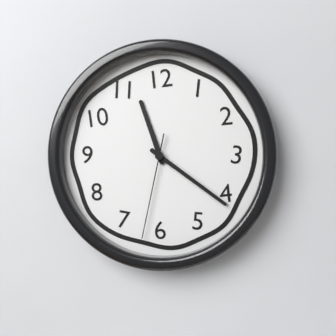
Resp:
h=11 m=21 s=32
